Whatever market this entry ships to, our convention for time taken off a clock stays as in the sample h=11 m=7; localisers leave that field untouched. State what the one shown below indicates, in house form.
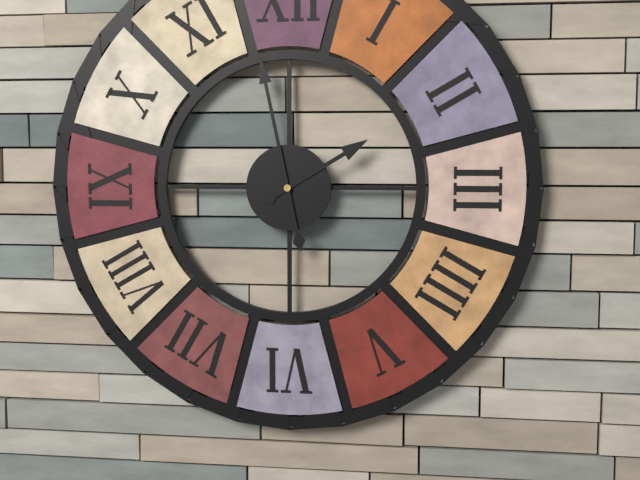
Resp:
h=1 m=58
